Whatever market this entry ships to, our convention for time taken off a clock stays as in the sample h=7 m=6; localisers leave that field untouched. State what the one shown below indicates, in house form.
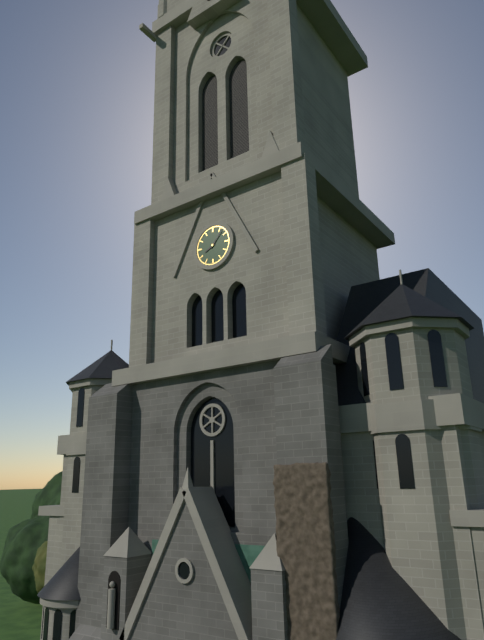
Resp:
h=8 m=7
